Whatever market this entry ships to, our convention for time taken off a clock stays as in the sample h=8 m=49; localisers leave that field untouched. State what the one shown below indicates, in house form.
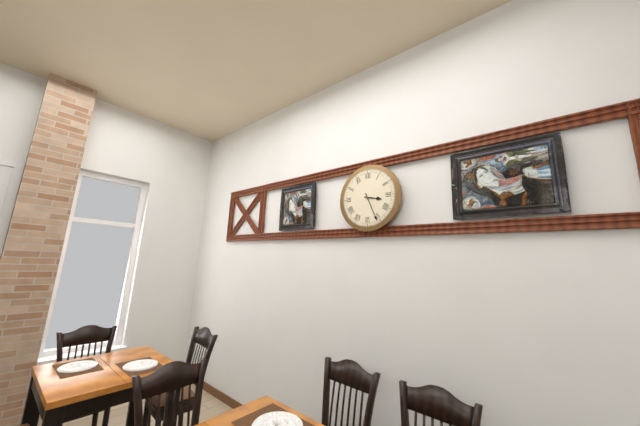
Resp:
h=3 m=26
